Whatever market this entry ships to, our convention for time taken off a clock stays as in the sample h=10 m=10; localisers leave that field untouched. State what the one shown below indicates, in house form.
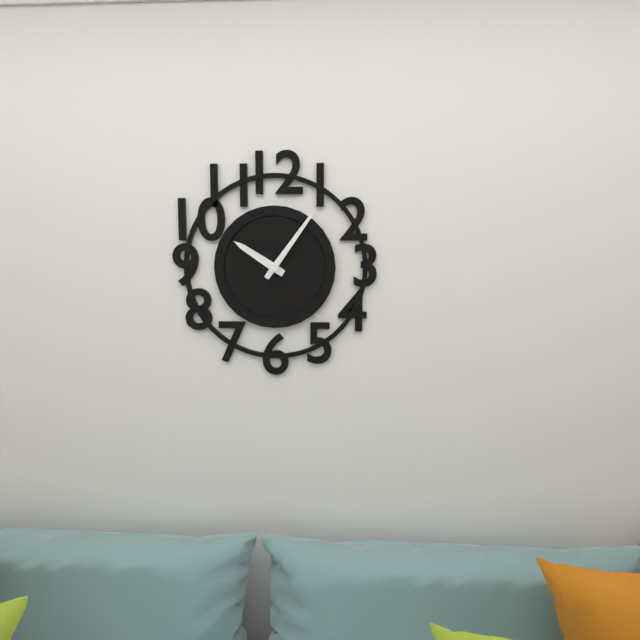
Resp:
h=10 m=6
